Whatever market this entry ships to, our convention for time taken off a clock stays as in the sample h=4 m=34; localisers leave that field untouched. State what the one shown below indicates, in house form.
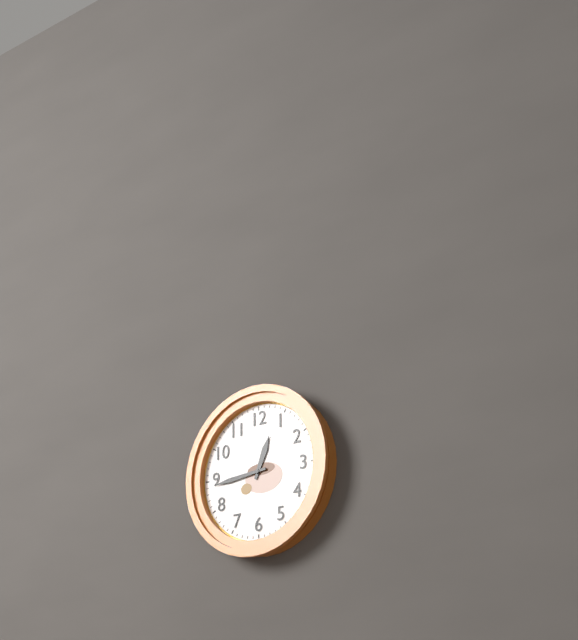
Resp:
h=12 m=44
